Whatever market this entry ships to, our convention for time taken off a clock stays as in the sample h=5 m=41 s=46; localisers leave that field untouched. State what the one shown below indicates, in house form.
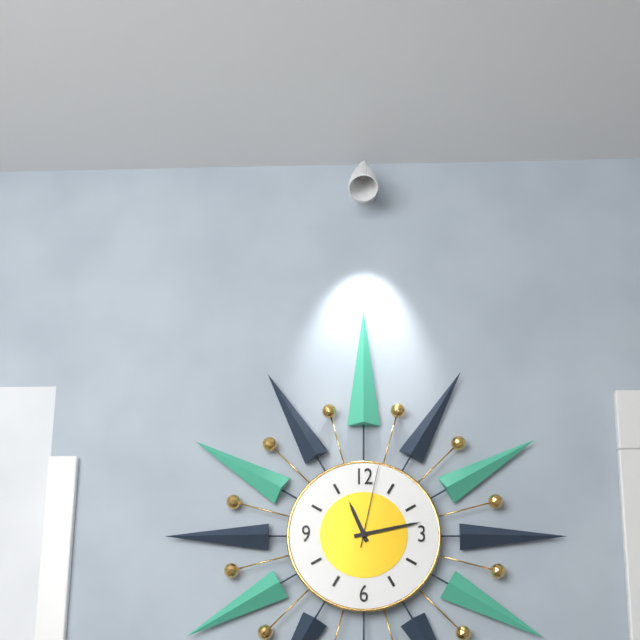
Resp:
h=11 m=13 s=2
